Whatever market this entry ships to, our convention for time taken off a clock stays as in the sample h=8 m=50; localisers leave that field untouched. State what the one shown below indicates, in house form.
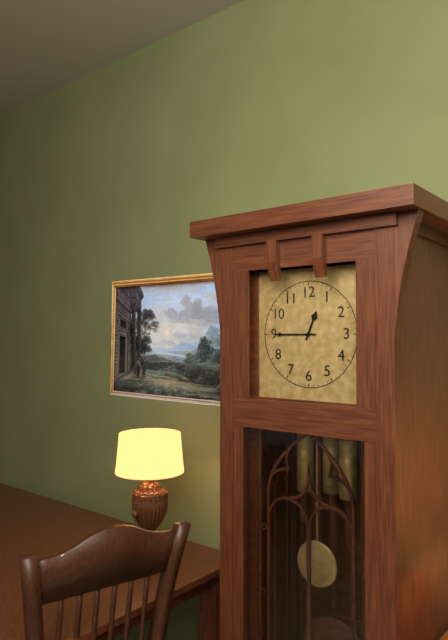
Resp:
h=12 m=45
